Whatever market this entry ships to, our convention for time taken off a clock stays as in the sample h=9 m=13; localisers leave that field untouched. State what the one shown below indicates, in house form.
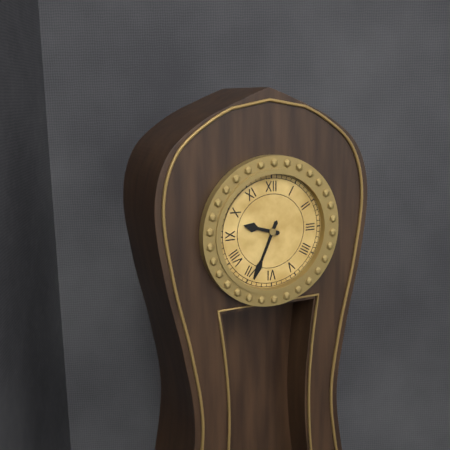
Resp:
h=9 m=34
